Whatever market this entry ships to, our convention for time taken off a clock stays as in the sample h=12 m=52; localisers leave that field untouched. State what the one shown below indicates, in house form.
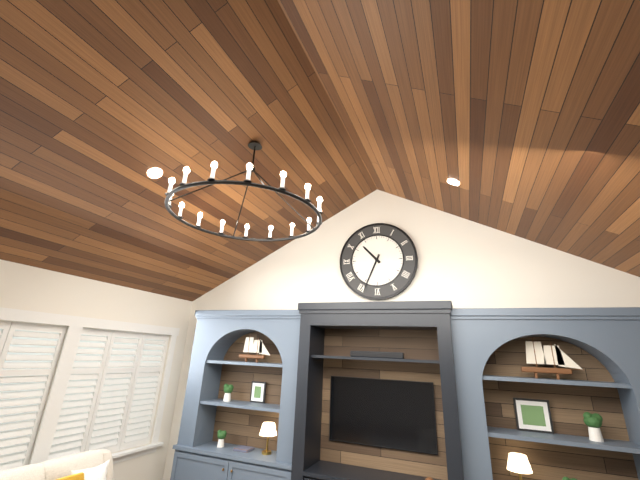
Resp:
h=10 m=34
